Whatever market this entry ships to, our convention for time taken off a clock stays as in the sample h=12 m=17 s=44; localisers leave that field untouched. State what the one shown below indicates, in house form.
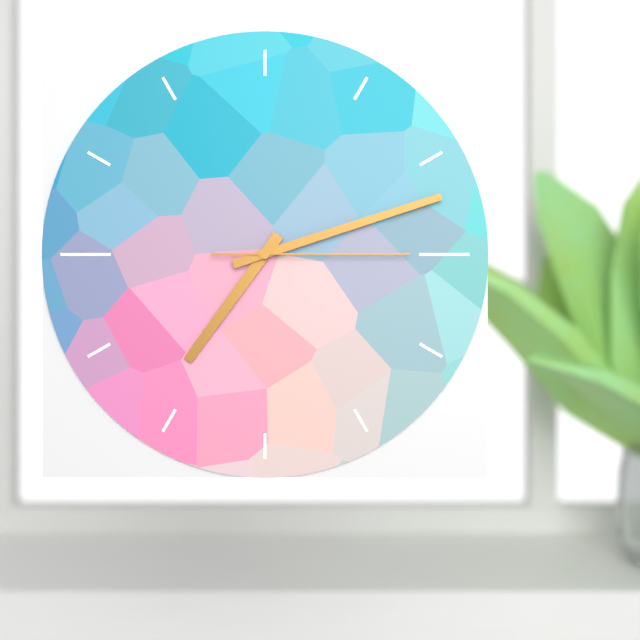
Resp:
h=7 m=12 s=15
